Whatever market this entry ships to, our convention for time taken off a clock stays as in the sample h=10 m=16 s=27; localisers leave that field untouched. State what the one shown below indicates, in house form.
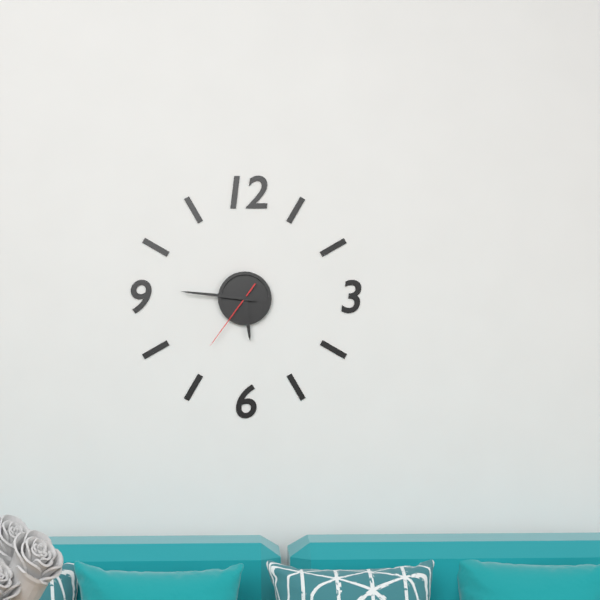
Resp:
h=5 m=46 s=36
